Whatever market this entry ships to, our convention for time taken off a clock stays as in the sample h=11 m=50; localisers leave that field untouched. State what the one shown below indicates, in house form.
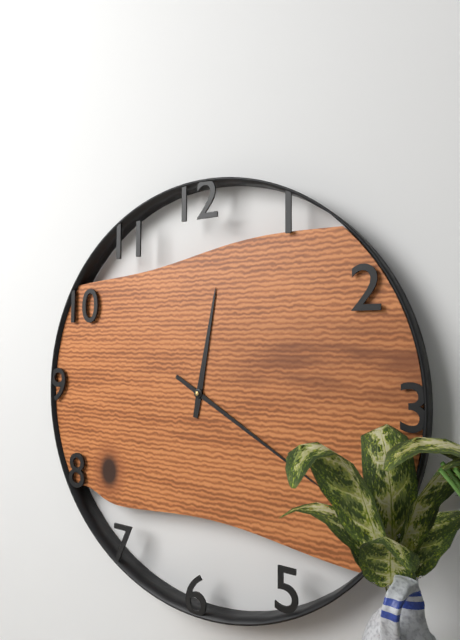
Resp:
h=12 m=20
